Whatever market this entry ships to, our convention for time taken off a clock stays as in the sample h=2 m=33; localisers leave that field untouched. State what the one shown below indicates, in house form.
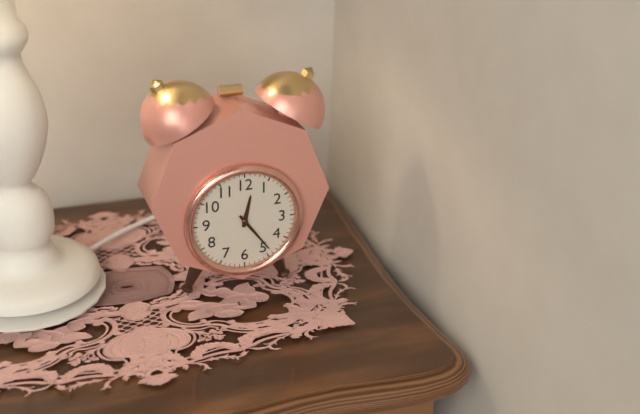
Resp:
h=12 m=24
